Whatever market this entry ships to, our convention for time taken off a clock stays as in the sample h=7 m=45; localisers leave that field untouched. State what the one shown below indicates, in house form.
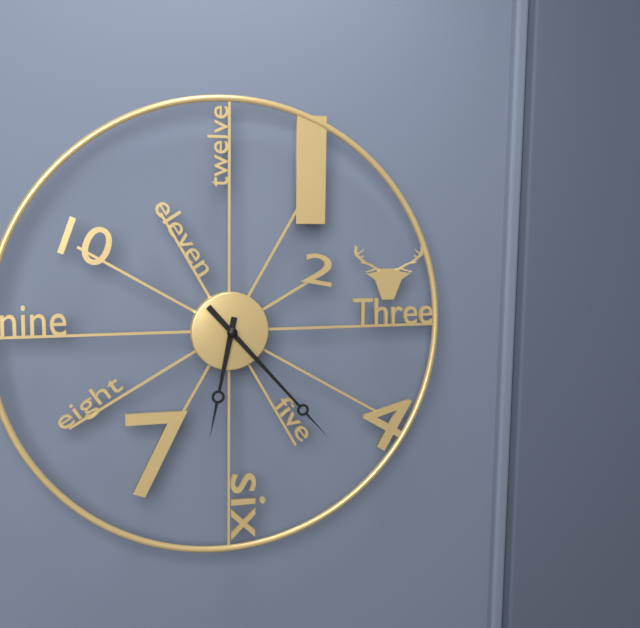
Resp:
h=6 m=23
